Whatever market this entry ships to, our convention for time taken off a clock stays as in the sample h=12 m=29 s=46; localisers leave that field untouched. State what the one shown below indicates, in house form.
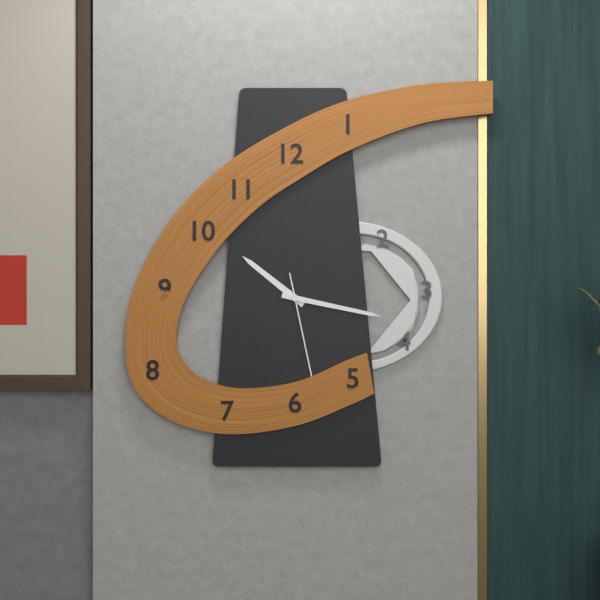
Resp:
h=10 m=17 s=28
